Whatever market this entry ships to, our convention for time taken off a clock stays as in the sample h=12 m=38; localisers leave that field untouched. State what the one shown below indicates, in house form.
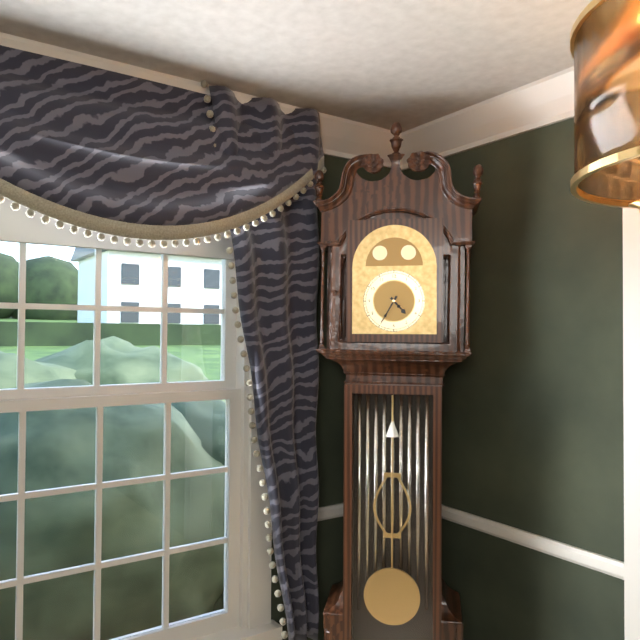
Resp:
h=4 m=35
